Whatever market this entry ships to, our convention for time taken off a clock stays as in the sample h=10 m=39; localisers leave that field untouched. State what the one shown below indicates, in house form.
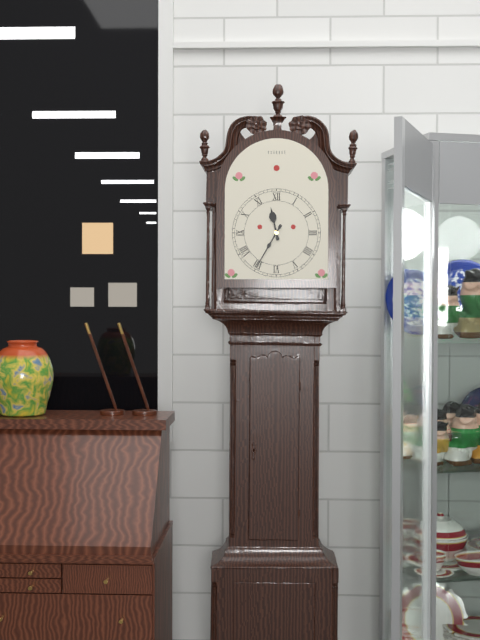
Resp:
h=11 m=35
